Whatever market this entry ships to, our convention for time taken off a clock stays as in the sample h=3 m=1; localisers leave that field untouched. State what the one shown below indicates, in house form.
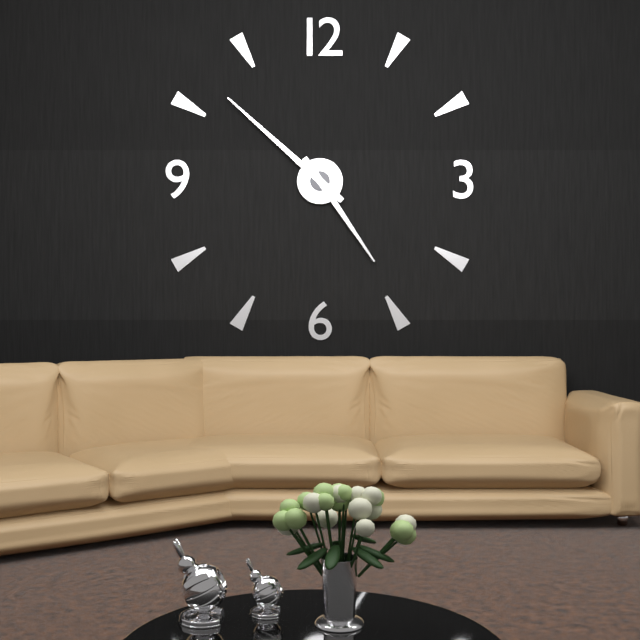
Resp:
h=4 m=52
